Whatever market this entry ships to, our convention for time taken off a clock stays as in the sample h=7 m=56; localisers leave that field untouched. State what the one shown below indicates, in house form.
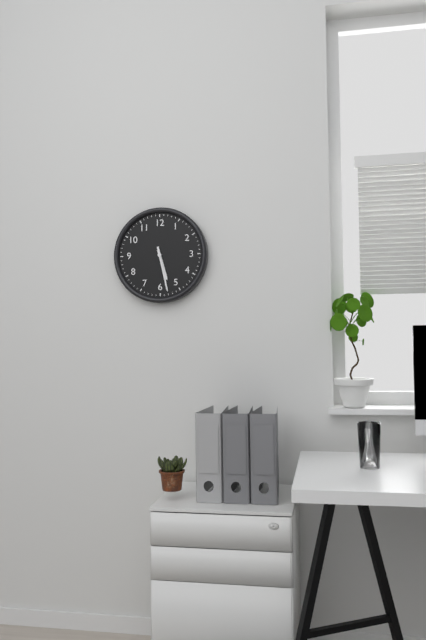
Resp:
h=5 m=28
